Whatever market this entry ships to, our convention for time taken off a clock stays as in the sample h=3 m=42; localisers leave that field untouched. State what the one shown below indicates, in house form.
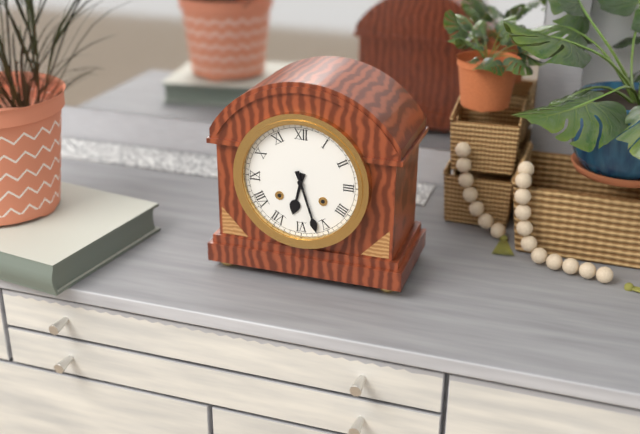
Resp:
h=6 m=27
